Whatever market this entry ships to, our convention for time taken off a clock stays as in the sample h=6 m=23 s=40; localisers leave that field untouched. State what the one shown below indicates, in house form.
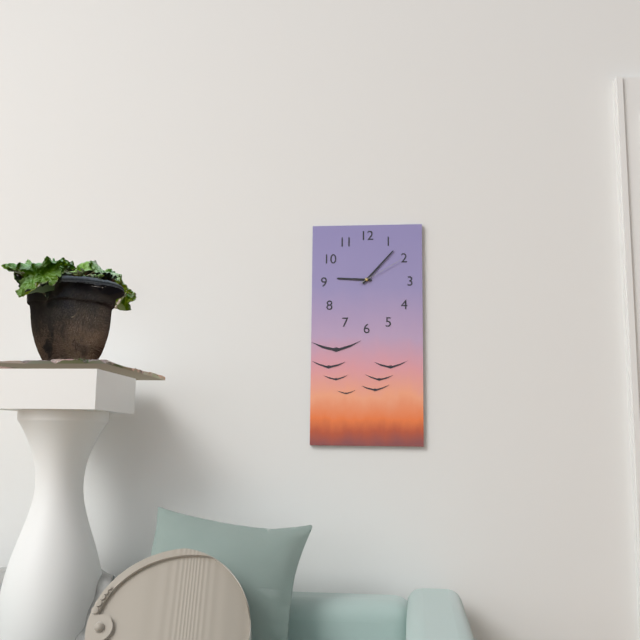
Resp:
h=9 m=7 s=10
